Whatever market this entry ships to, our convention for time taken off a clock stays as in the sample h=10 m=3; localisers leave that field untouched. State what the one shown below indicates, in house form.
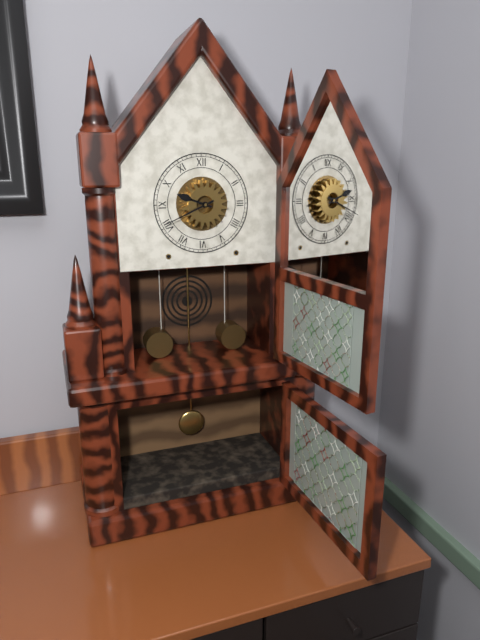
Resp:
h=9 m=41
